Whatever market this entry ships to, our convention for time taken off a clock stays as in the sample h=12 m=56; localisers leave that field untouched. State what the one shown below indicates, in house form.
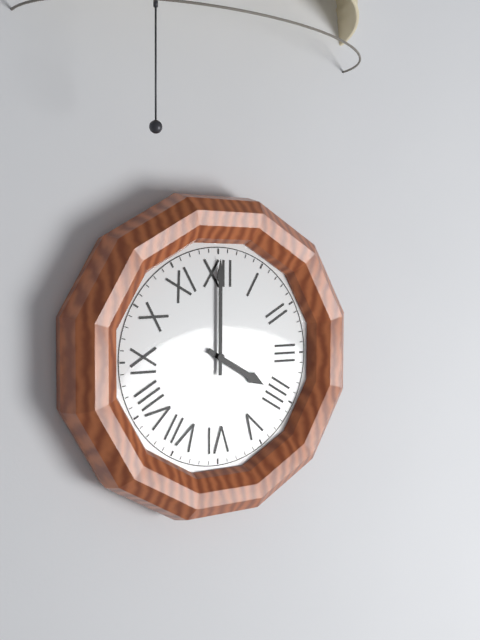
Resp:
h=4 m=0
